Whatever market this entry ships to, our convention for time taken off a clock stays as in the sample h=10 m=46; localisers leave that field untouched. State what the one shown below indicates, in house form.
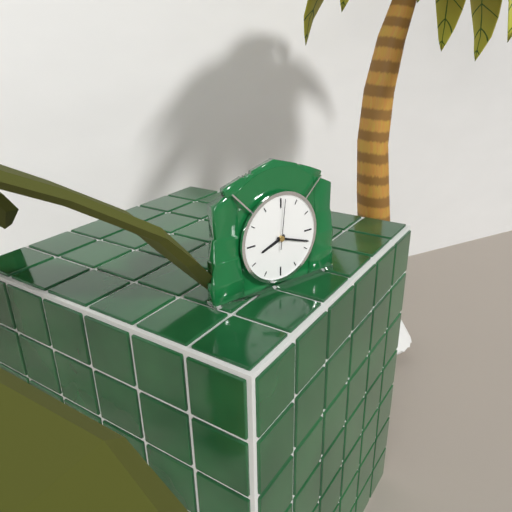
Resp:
h=8 m=18
